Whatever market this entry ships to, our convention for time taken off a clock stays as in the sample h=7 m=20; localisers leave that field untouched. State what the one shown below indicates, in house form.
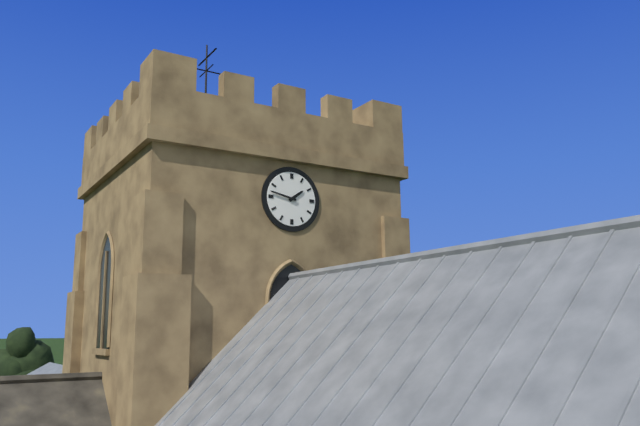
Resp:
h=1 m=47
